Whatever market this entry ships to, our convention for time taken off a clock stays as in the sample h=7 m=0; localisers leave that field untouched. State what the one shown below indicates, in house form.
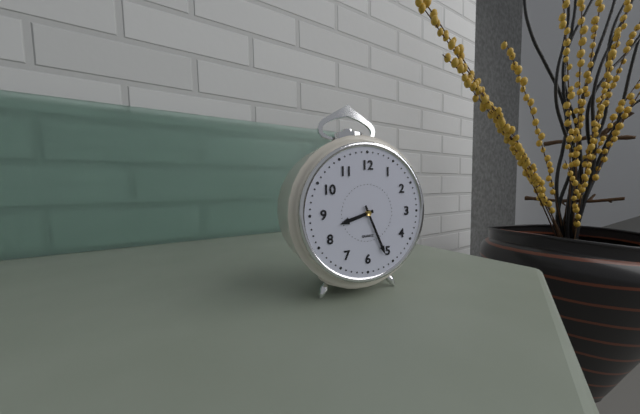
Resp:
h=8 m=26
